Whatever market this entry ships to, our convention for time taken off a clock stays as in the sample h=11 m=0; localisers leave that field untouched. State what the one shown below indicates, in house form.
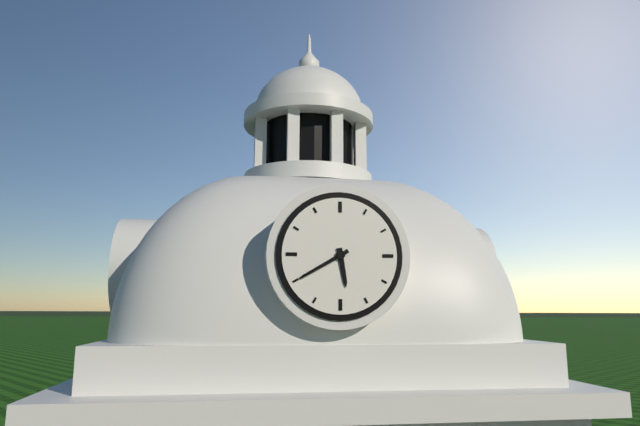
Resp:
h=5 m=40
